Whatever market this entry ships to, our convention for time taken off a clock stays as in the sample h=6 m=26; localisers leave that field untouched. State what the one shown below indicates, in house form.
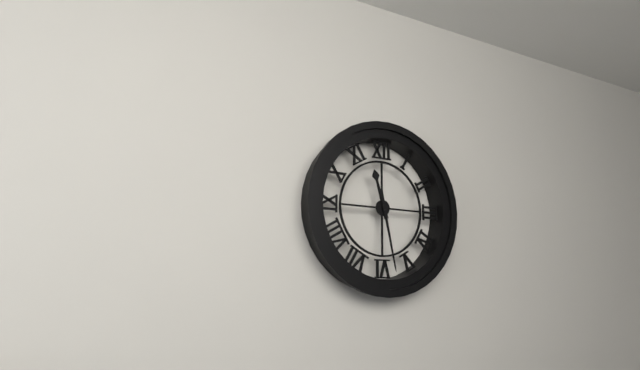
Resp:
h=11 m=28
